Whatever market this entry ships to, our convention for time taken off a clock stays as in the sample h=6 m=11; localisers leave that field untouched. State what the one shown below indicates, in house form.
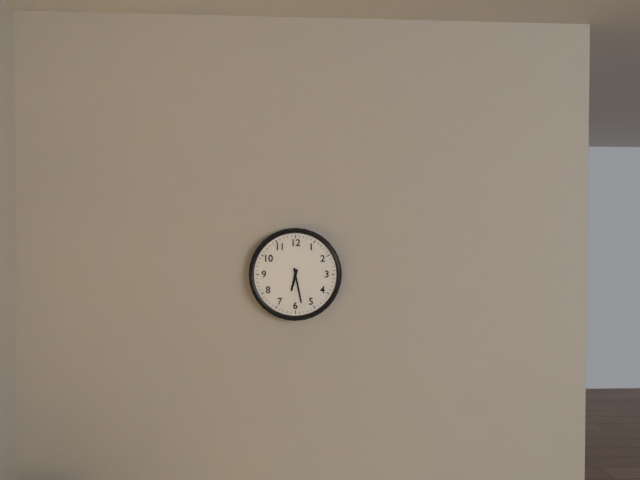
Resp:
h=6 m=28
